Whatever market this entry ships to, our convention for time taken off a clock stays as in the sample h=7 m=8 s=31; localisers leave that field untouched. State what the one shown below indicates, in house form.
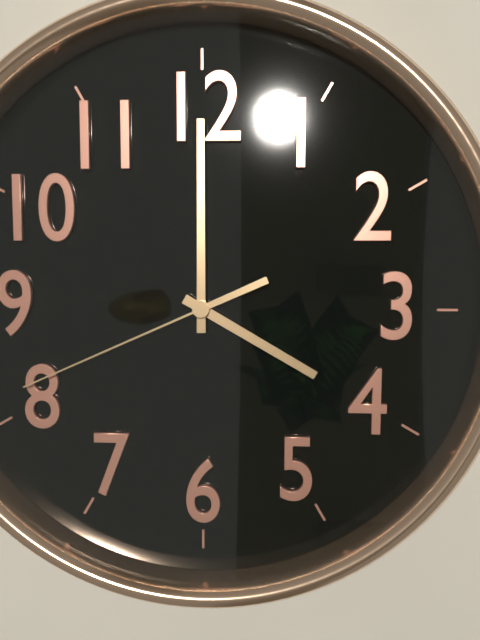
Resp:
h=4 m=0 s=41
